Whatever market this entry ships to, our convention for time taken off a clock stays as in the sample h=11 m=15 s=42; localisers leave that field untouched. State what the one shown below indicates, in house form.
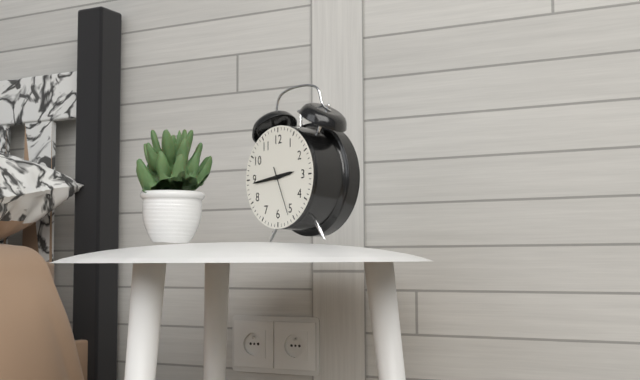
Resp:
h=2 m=44 s=26
